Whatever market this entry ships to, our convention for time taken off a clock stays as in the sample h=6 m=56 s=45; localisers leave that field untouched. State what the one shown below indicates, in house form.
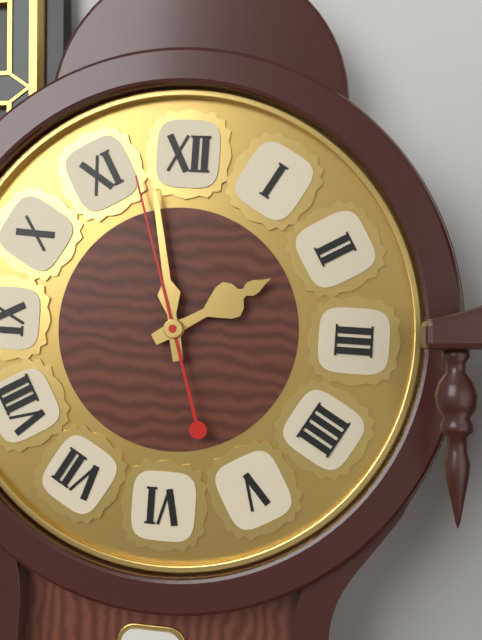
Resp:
h=1 m=58 s=57
